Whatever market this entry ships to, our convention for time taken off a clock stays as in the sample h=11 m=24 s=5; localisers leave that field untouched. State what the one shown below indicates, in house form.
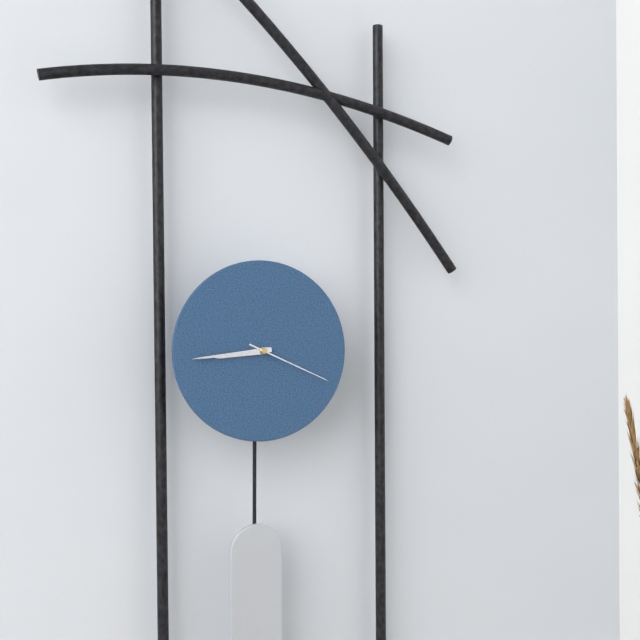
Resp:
h=8 m=44 s=19
